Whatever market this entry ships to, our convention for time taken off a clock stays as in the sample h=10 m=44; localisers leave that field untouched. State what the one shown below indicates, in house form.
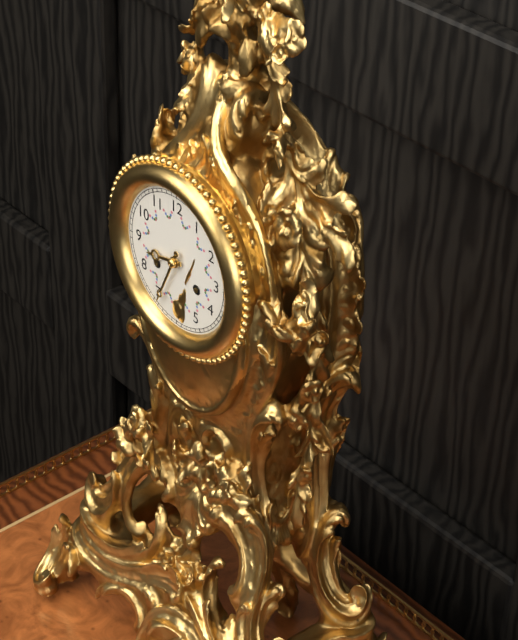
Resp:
h=8 m=34
